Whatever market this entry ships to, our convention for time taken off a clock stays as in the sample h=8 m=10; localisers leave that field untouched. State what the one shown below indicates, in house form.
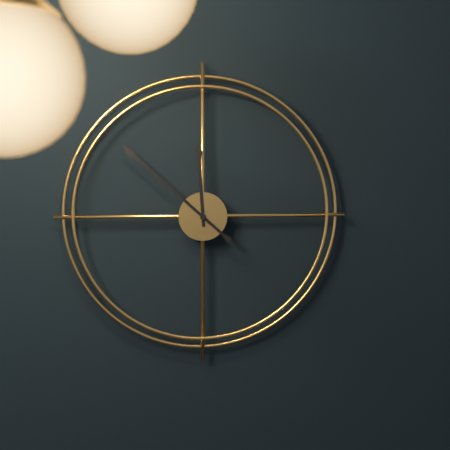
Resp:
h=11 m=52
